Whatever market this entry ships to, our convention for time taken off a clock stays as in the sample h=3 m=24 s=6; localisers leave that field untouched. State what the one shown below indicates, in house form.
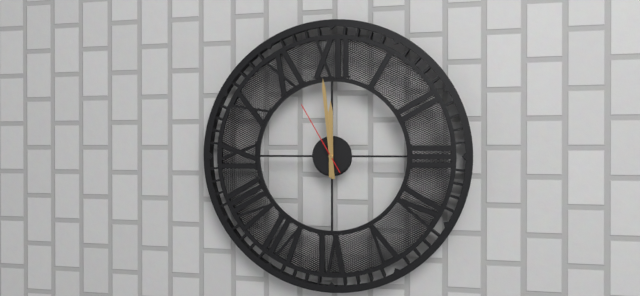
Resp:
h=11 m=59 s=55
